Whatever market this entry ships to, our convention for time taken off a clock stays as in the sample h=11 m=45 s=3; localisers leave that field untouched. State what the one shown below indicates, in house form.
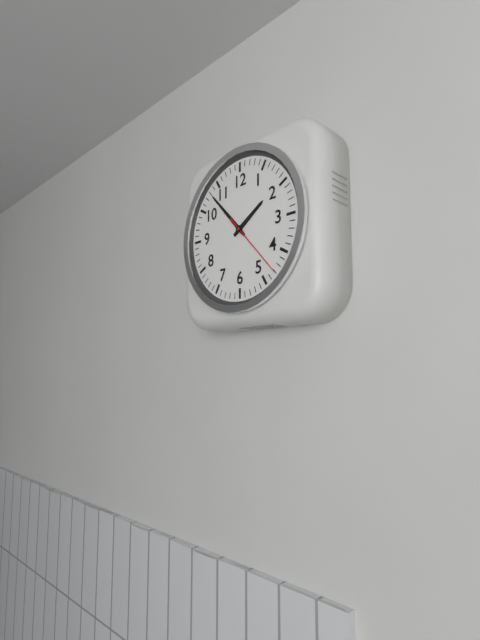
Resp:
h=1 m=53 s=23
